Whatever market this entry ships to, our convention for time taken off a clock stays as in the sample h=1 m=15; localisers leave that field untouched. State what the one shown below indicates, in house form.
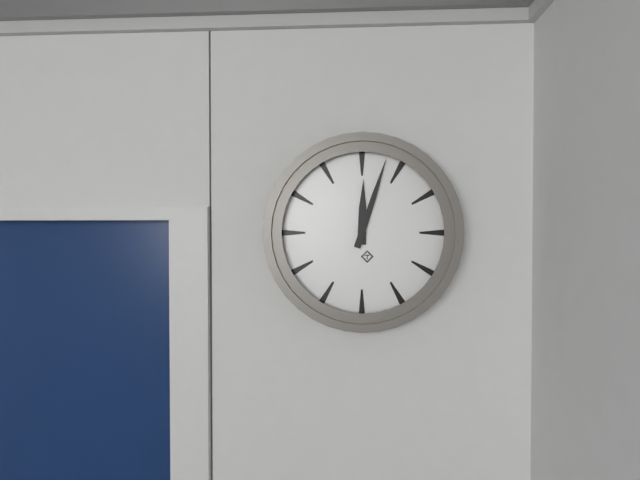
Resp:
h=12 m=3
